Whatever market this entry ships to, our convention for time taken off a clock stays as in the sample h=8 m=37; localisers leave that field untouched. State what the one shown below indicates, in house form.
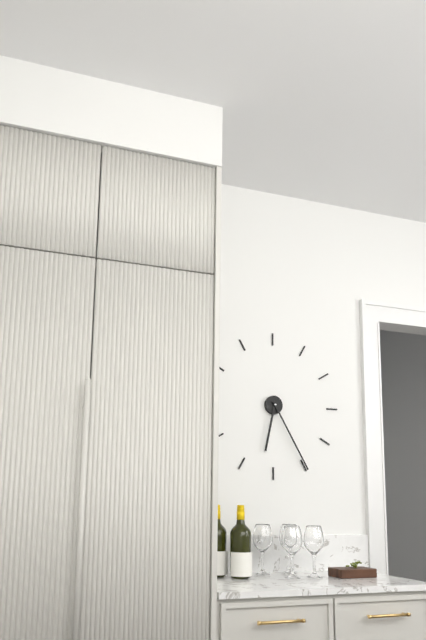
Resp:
h=6 m=25
